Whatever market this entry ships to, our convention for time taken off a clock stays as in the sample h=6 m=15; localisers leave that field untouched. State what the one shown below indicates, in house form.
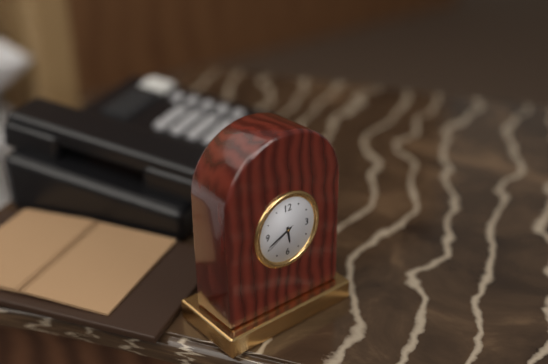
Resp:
h=5 m=41
